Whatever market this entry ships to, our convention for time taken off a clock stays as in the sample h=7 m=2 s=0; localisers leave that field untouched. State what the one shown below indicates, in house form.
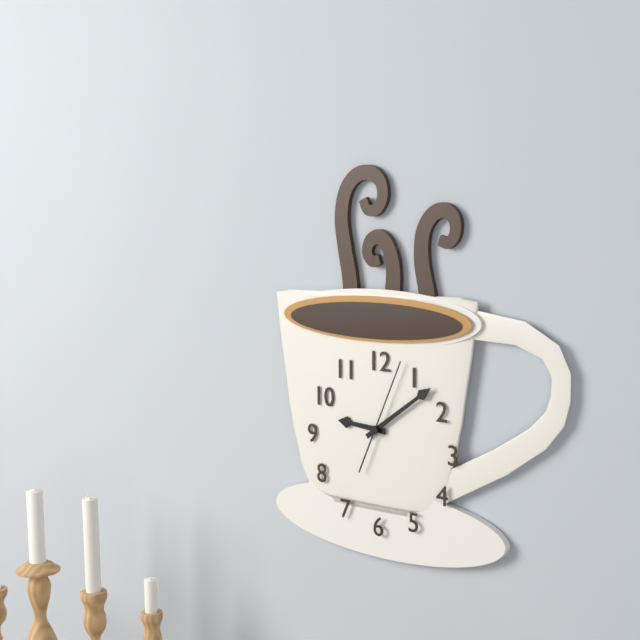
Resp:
h=9 m=9 s=4
